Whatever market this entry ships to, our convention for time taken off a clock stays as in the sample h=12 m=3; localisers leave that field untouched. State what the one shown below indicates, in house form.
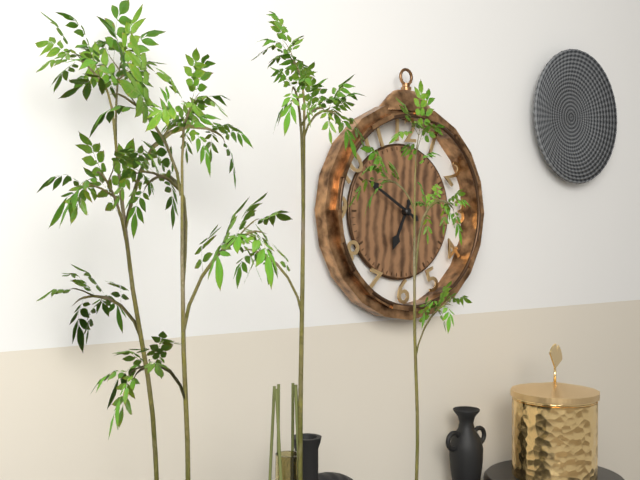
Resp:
h=6 m=50
